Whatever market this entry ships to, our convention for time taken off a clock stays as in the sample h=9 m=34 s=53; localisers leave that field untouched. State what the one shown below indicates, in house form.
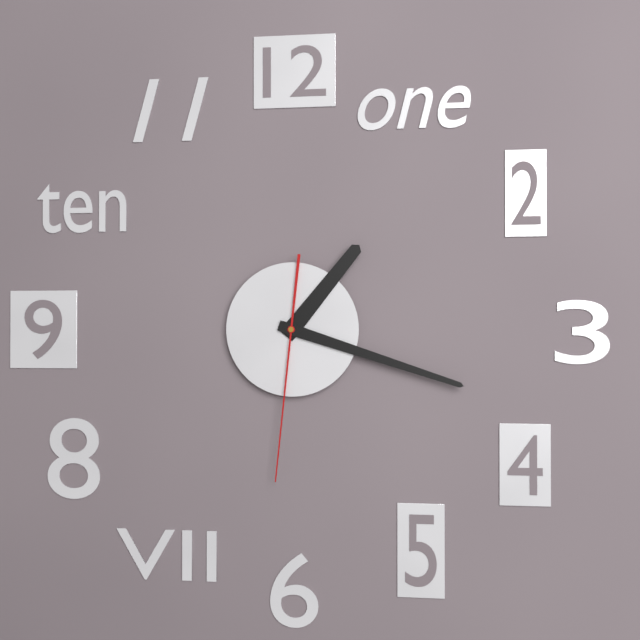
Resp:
h=1 m=18 s=31
